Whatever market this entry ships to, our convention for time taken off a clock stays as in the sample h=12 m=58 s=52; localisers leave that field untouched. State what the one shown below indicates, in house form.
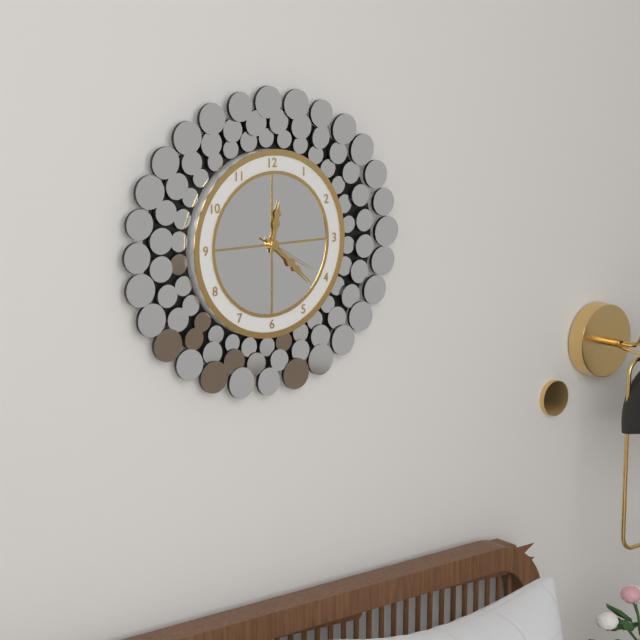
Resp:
h=12 m=22 s=20
